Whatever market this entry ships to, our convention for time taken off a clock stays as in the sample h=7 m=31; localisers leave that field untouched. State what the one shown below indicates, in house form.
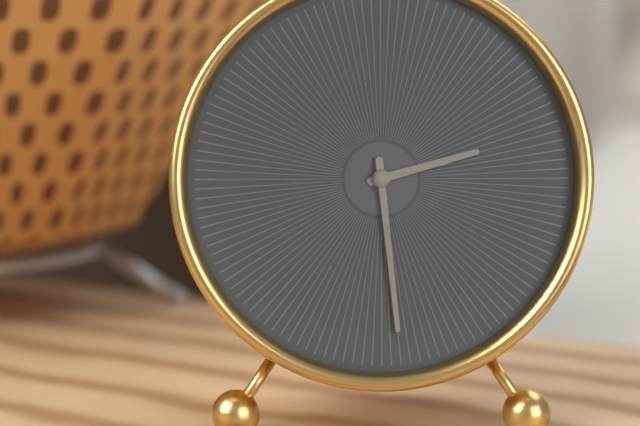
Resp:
h=2 m=29
